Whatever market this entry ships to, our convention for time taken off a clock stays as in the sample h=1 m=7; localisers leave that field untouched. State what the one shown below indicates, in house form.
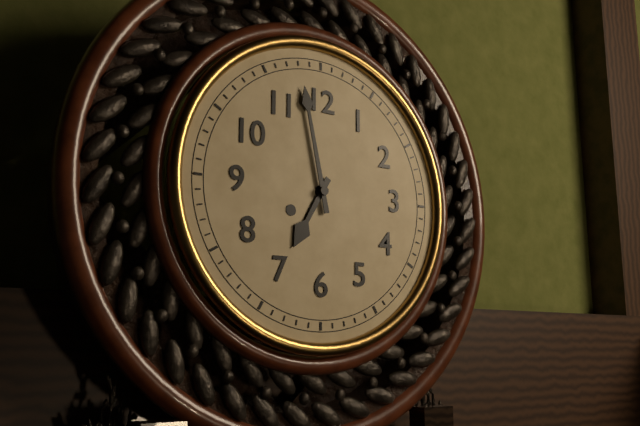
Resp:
h=6 m=58
